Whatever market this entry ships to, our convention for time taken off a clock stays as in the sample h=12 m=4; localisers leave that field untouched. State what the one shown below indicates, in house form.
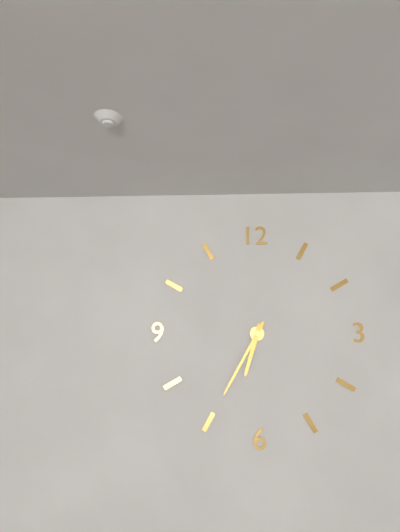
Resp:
h=6 m=35
